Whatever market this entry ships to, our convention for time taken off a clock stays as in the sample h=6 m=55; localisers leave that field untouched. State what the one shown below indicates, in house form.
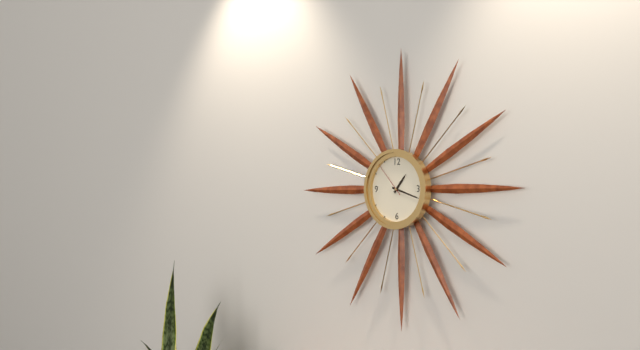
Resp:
h=1 m=18
